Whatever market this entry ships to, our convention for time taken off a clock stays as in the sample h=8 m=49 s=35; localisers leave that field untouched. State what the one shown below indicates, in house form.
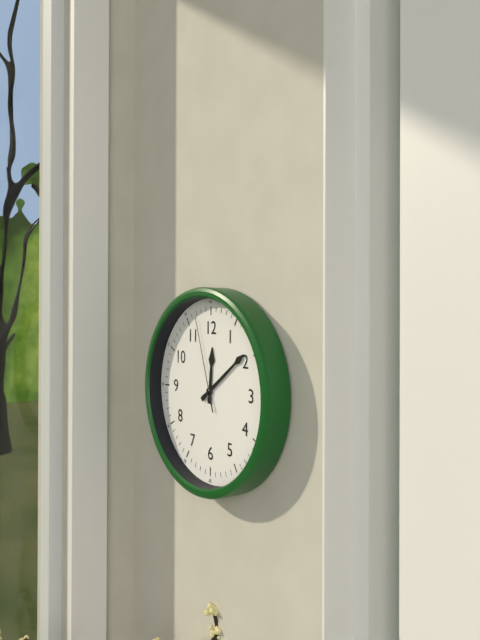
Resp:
h=12 m=9 s=57
